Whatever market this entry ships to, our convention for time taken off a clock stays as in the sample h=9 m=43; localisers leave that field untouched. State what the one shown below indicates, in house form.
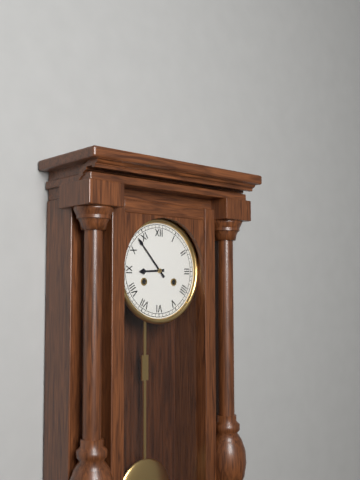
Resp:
h=8 m=53
